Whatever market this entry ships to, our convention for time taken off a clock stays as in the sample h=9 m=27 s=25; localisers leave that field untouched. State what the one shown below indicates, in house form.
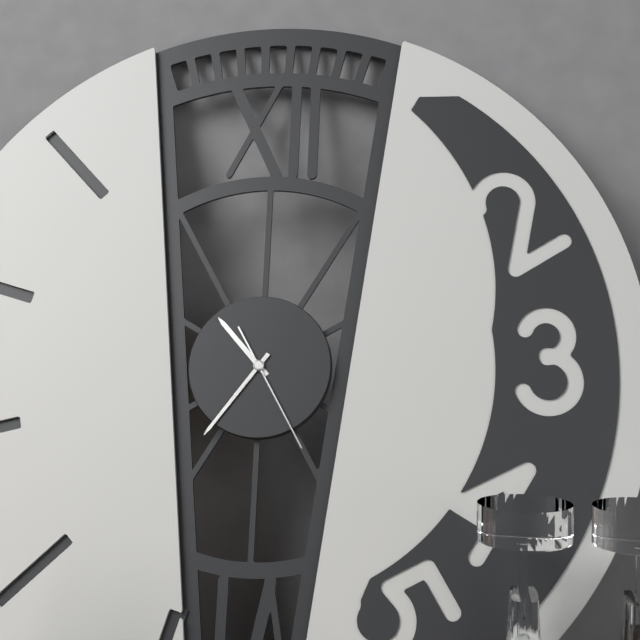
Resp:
h=10 m=36 s=25
